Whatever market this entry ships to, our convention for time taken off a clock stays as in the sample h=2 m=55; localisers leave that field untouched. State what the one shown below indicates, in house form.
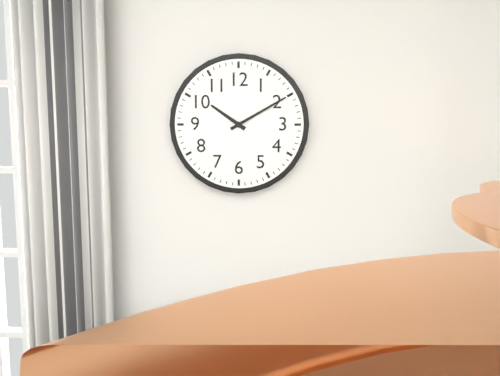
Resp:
h=10 m=10
